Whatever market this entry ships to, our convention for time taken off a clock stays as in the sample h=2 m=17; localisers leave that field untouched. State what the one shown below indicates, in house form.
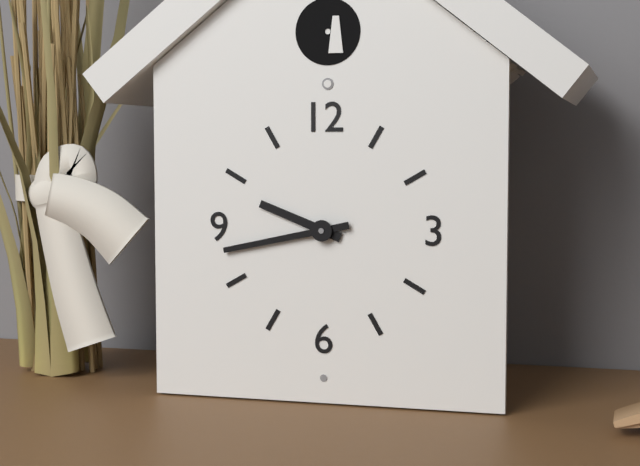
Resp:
h=9 m=43
